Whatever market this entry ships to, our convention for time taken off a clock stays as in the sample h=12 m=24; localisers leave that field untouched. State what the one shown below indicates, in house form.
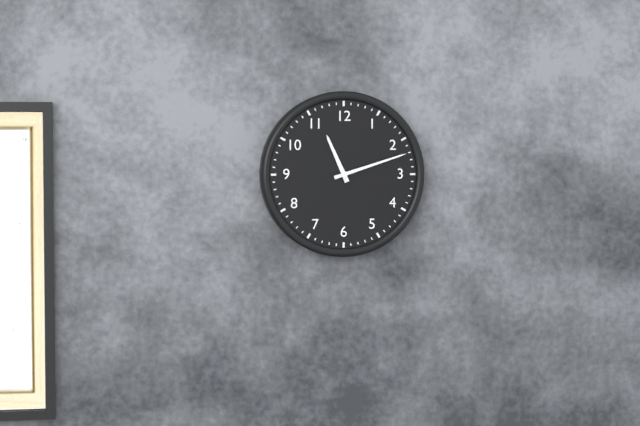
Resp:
h=11 m=12
